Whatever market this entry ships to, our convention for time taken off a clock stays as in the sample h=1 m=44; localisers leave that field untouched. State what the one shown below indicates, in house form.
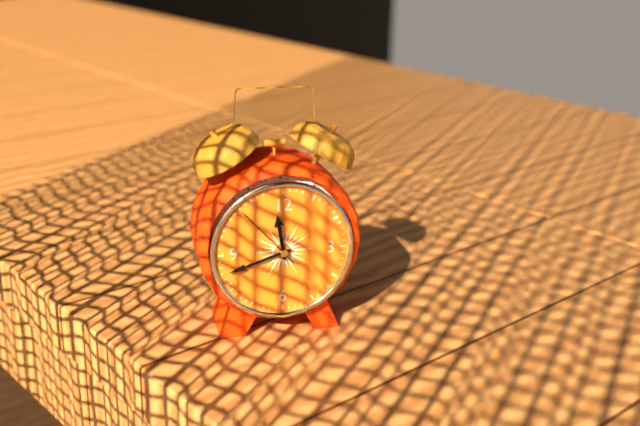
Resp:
h=11 m=42
